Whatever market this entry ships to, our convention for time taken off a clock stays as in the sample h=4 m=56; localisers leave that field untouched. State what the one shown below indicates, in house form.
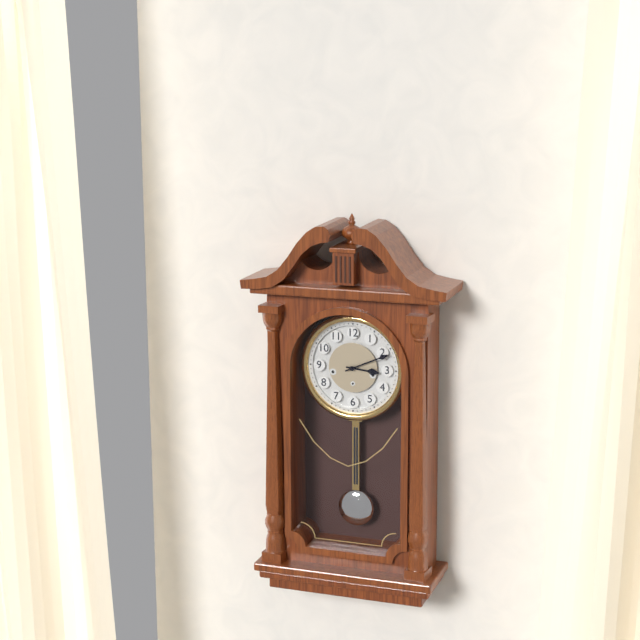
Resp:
h=3 m=11
